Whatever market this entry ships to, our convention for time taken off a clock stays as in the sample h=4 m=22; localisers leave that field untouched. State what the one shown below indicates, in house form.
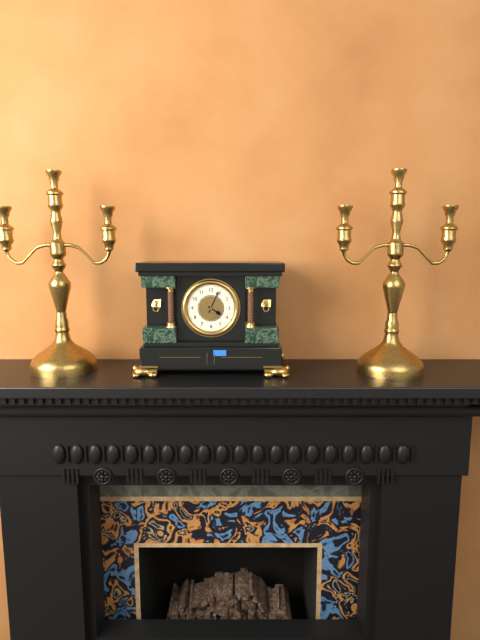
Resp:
h=4 m=4
